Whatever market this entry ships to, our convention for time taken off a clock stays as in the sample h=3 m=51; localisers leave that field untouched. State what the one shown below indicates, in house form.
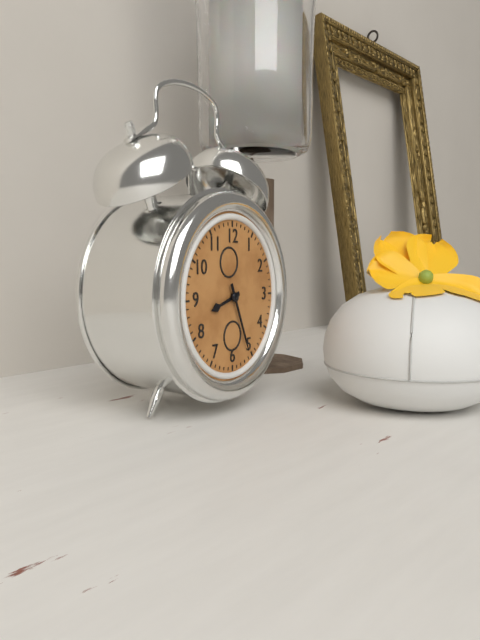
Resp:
h=8 m=26
